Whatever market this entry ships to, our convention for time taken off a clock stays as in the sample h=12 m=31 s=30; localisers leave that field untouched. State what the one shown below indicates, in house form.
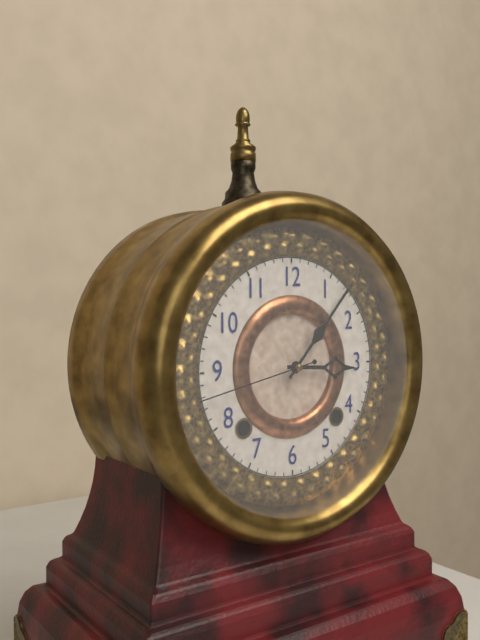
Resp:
h=3 m=7 s=43
